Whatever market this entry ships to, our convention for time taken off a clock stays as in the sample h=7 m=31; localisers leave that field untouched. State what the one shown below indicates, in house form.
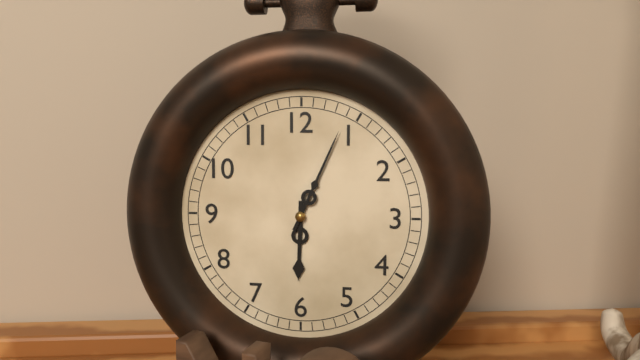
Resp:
h=6 m=4
